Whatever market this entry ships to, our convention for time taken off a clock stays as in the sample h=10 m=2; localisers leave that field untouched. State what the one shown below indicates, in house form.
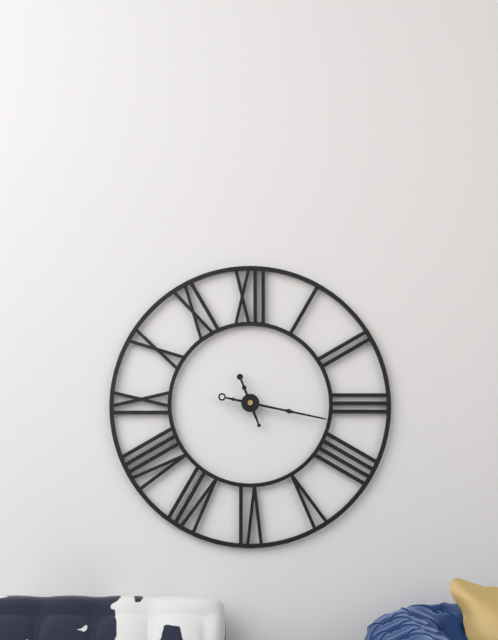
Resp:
h=11 m=17
